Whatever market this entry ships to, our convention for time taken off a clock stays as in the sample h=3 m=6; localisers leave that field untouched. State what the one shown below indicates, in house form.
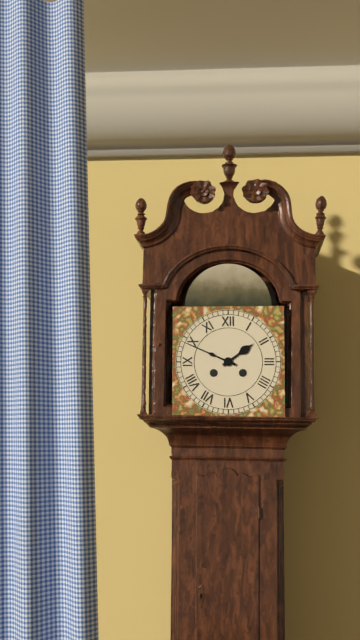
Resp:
h=1 m=49
